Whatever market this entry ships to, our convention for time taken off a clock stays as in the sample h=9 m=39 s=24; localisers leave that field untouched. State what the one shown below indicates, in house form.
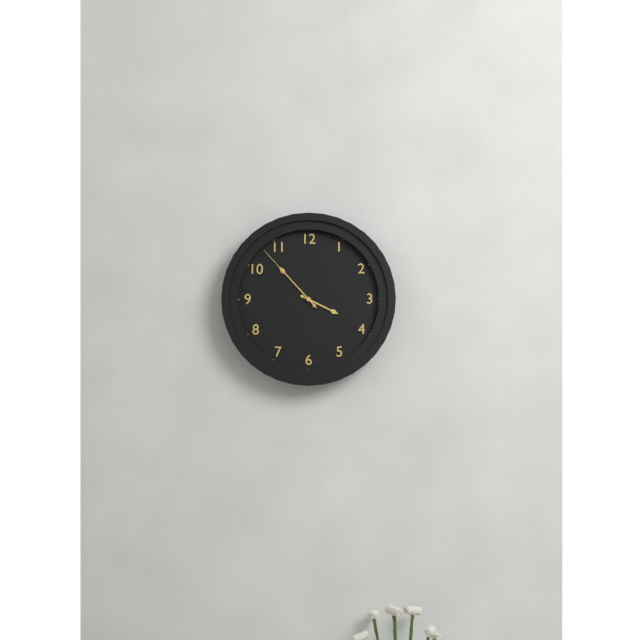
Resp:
h=3 m=53 s=53
